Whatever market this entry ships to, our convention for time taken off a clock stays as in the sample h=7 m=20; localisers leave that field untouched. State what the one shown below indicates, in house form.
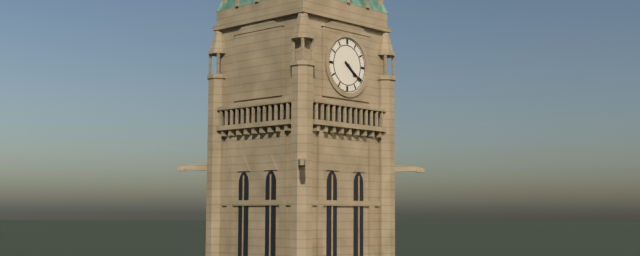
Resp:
h=4 m=21
